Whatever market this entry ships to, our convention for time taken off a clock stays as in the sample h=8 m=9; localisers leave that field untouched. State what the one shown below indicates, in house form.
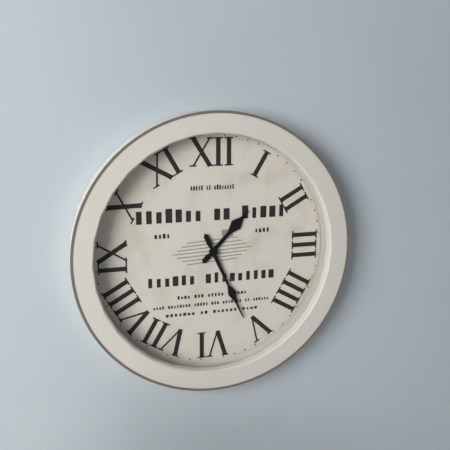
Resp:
h=1 m=26
